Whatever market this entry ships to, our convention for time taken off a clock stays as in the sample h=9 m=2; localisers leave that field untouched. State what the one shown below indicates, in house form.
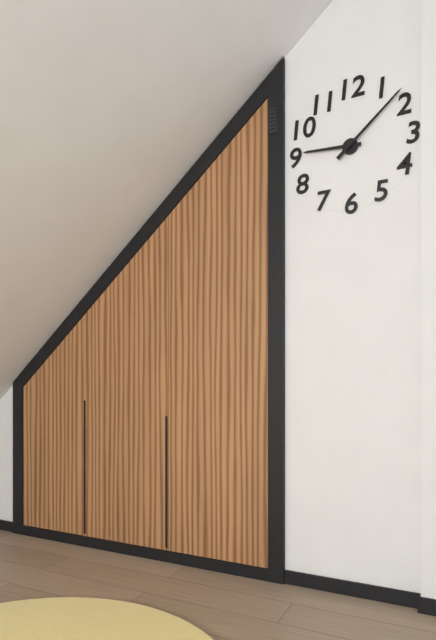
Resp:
h=9 m=8
